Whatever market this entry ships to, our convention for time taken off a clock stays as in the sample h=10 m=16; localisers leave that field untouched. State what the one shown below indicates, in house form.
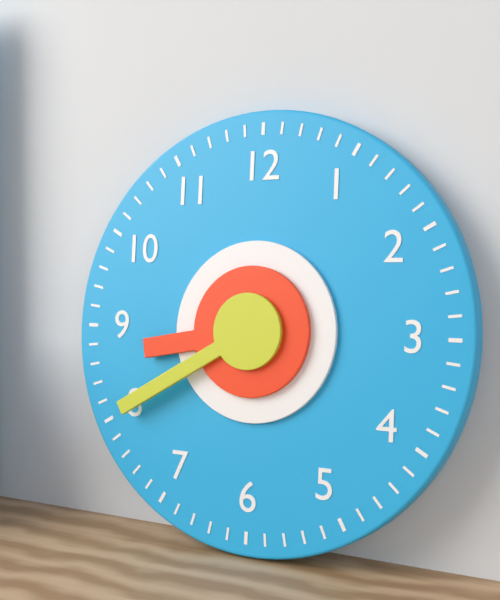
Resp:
h=8 m=40
